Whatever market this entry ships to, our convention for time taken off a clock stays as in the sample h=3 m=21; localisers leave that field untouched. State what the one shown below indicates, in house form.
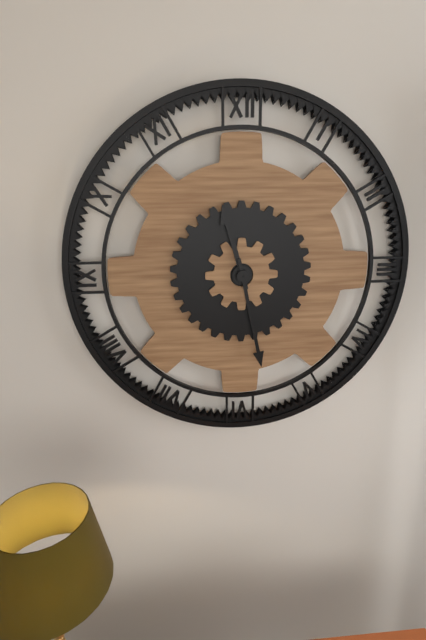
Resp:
h=11 m=28
